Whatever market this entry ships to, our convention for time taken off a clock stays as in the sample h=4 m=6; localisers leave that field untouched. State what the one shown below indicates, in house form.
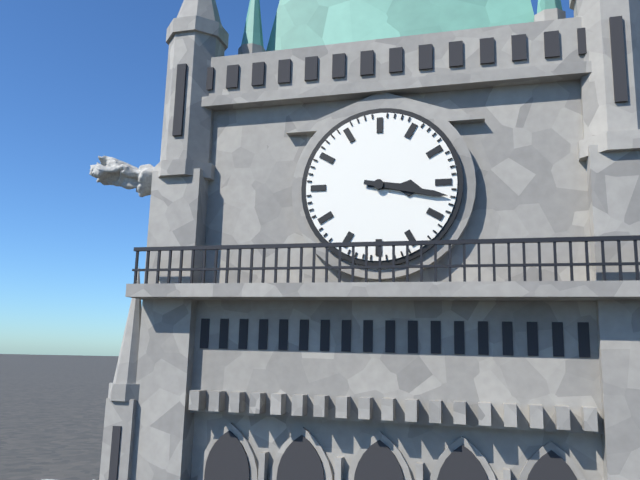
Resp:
h=3 m=17
